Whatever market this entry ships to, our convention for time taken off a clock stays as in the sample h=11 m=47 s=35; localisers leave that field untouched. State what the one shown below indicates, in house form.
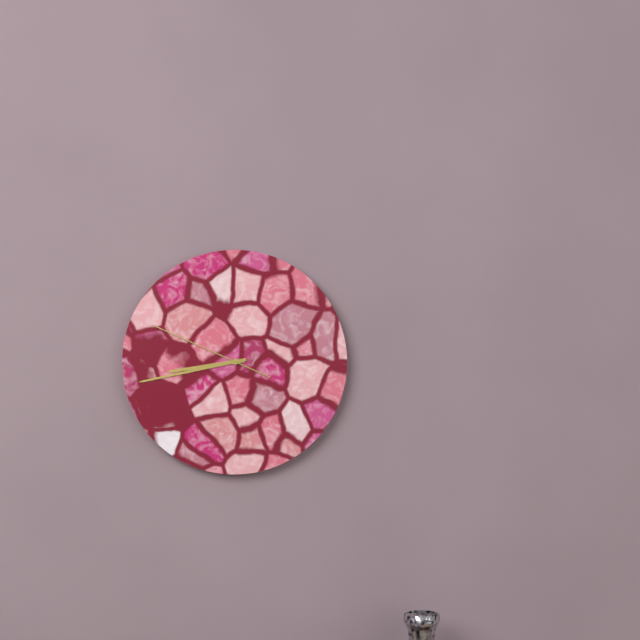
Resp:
h=8 m=43 s=49
